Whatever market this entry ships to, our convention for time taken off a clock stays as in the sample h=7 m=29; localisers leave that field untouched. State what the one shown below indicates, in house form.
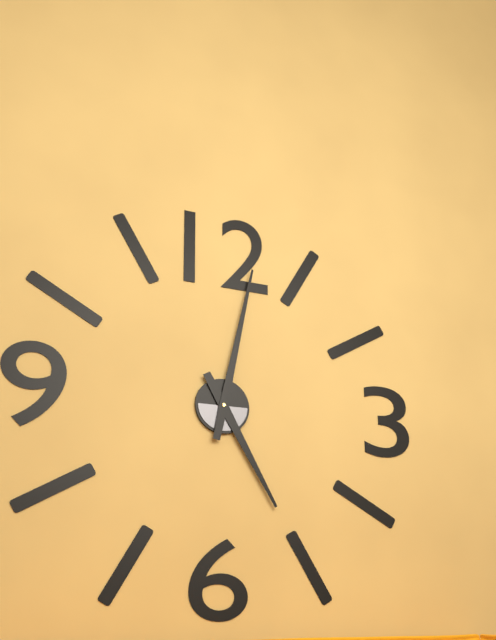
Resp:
h=5 m=2
